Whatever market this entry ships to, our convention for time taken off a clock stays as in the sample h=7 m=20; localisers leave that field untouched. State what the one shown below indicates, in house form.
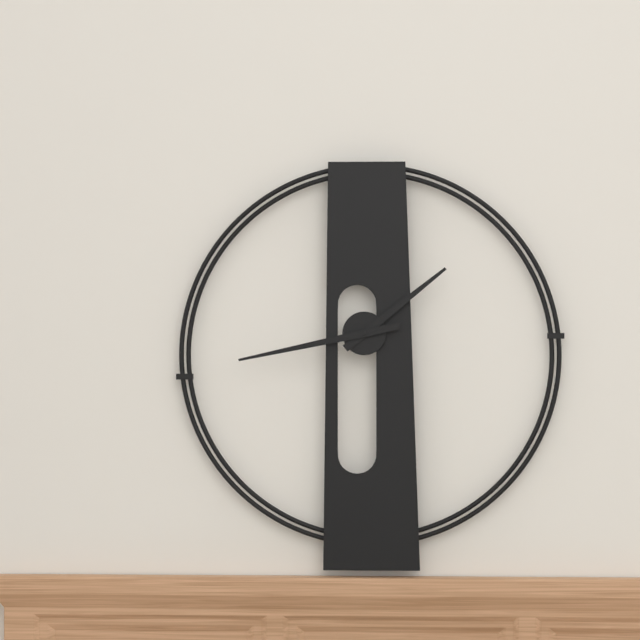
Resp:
h=1 m=43
